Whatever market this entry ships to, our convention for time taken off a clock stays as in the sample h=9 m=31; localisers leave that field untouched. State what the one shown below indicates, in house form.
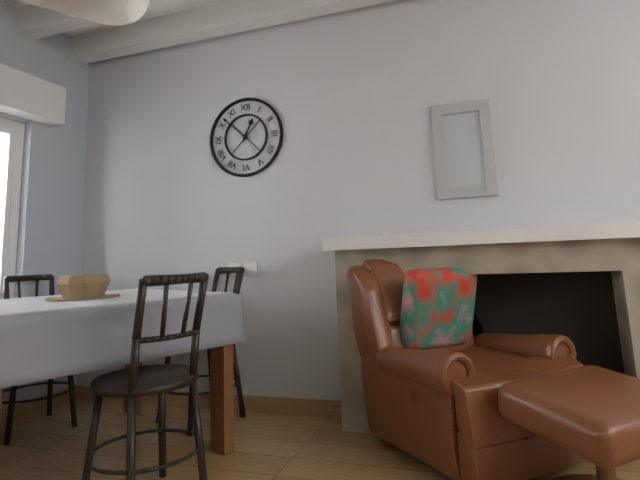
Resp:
h=12 m=52
